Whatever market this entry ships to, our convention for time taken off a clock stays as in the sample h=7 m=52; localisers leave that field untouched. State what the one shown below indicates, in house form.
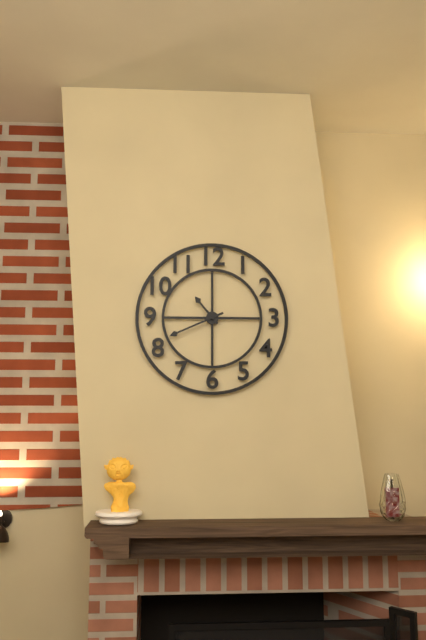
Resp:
h=10 m=41
